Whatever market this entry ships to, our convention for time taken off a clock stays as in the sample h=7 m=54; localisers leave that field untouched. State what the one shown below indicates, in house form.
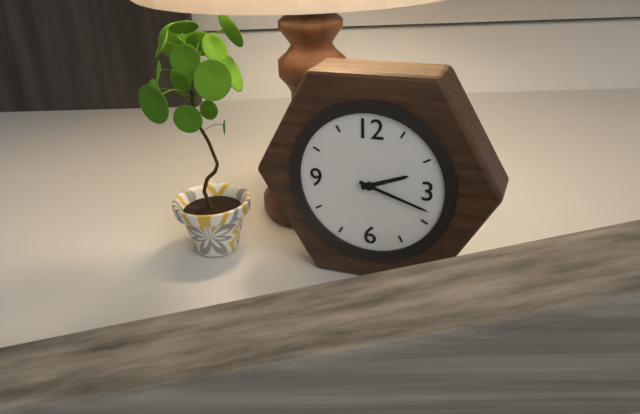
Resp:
h=2 m=18
